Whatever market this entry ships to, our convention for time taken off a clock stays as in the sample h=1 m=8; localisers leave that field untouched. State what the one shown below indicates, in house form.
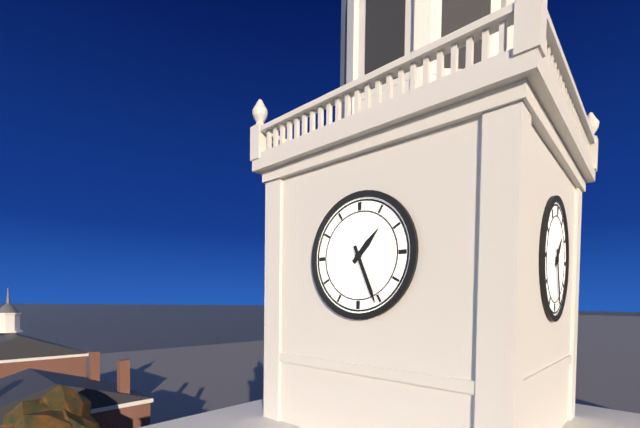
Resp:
h=1 m=26
